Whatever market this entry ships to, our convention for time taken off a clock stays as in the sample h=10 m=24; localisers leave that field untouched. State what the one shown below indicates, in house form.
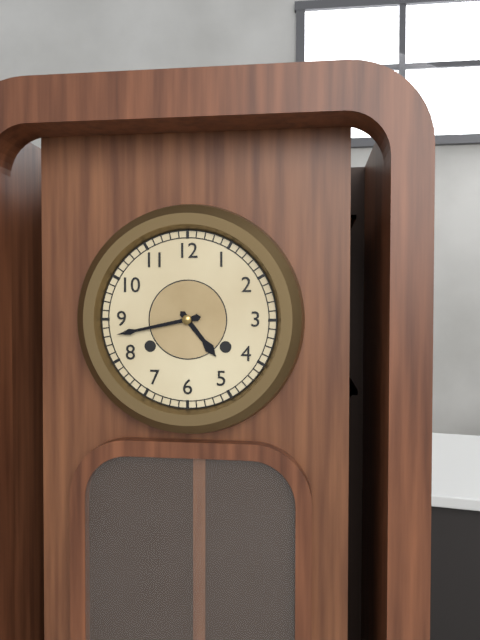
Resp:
h=4 m=43
